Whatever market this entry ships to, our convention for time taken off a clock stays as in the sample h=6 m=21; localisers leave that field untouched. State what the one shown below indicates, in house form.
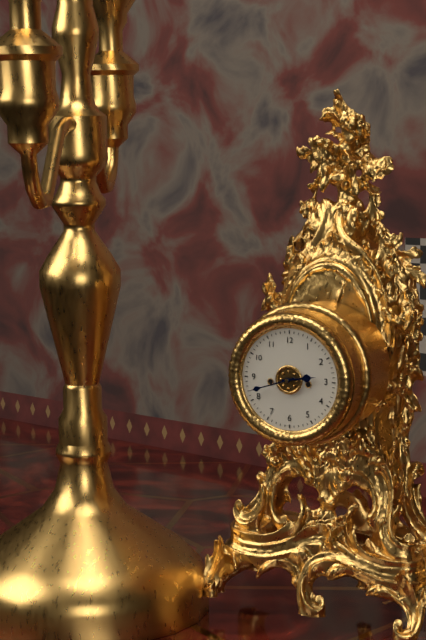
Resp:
h=2 m=42
